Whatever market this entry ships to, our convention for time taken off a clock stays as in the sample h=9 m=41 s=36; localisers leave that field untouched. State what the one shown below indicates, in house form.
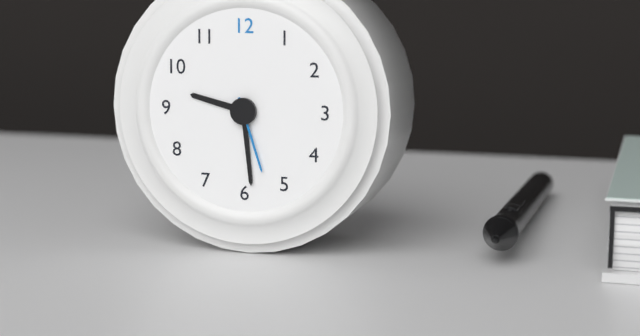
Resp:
h=9 m=29 s=27
